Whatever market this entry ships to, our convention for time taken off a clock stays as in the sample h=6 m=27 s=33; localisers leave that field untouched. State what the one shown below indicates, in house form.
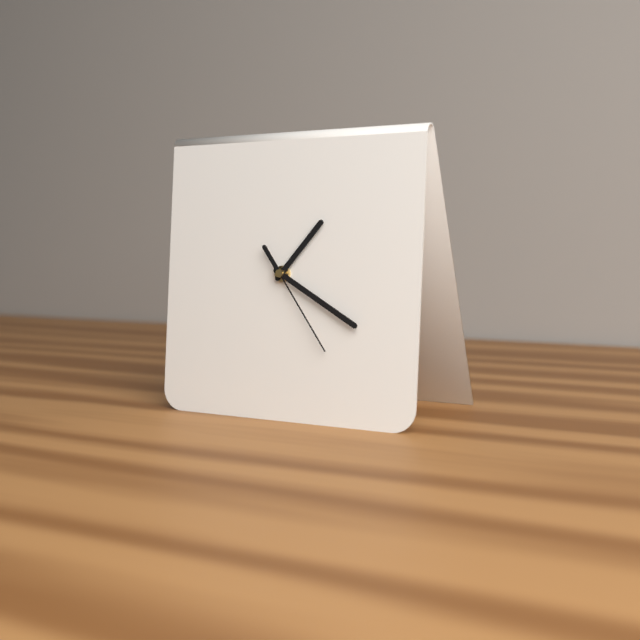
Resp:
h=1 m=20 s=24
